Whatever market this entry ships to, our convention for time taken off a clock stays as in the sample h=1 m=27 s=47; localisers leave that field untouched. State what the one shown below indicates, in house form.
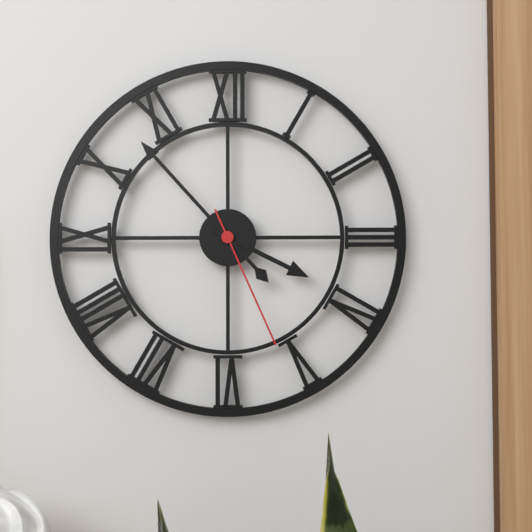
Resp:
h=3 m=53 s=26
